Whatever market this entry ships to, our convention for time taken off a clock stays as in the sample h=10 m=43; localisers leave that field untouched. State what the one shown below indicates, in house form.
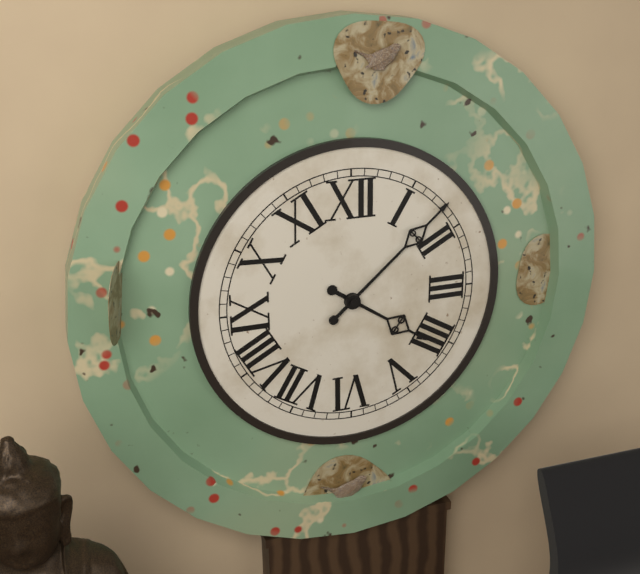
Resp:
h=4 m=8
